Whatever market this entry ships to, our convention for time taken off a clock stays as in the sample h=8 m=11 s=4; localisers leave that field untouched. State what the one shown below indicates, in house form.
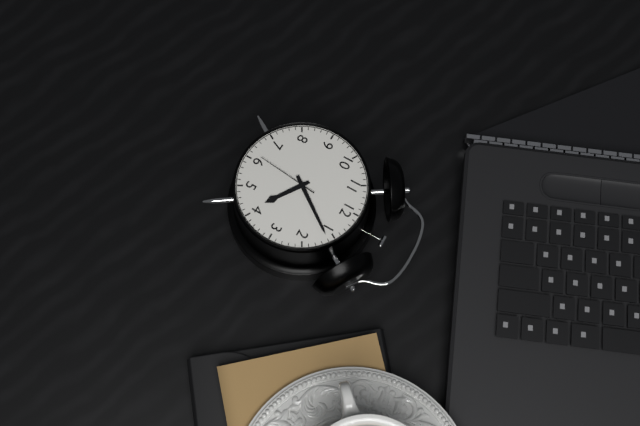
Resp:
h=4 m=6 s=31
